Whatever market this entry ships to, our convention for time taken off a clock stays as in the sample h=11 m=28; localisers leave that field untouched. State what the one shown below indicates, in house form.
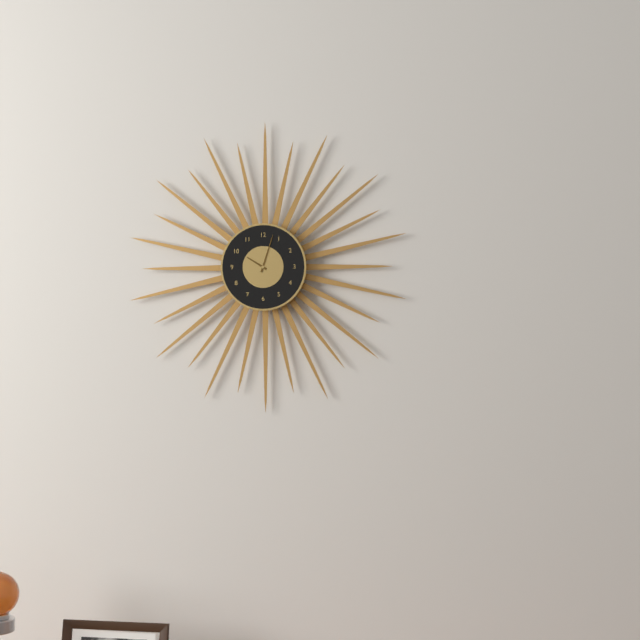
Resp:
h=10 m=3
